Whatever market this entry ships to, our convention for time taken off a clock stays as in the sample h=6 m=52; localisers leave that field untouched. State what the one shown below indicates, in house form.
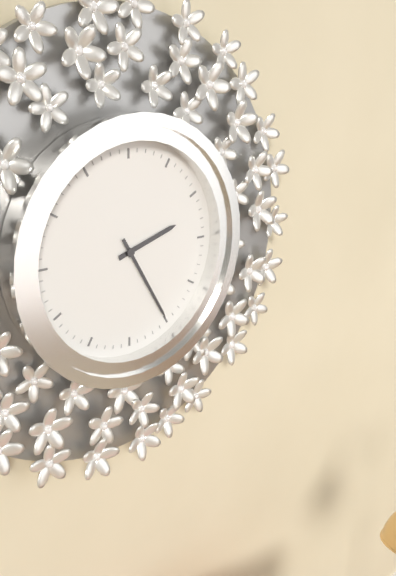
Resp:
h=2 m=25
